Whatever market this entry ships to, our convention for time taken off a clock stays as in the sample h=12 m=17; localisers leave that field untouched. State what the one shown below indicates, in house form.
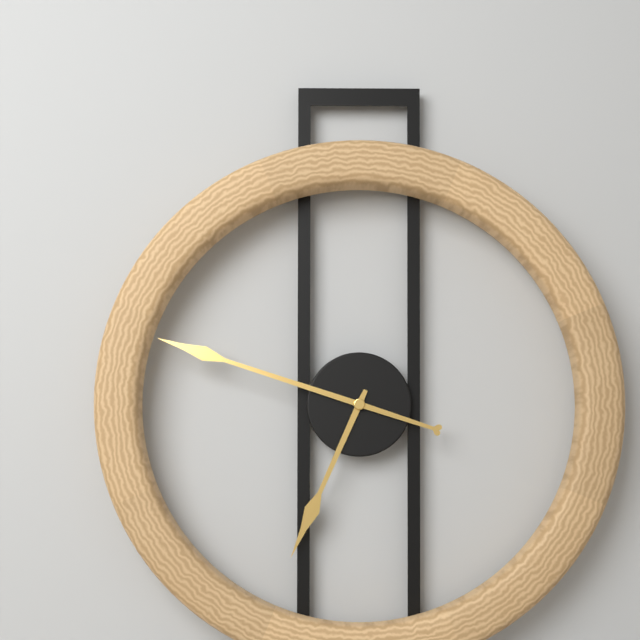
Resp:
h=6 m=48
